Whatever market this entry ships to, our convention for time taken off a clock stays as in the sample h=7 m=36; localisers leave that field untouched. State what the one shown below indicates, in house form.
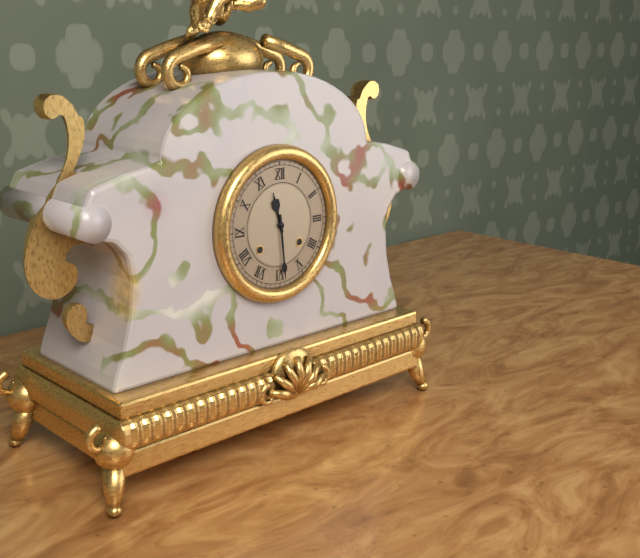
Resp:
h=11 m=29
